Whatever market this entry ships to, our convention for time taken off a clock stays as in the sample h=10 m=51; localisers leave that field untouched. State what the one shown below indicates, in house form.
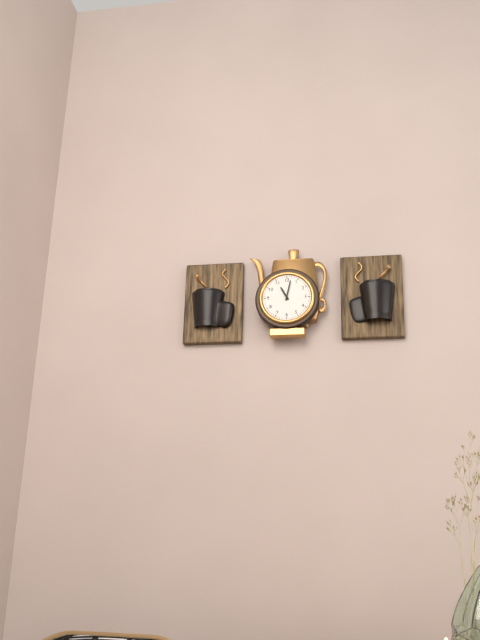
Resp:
h=11 m=2
